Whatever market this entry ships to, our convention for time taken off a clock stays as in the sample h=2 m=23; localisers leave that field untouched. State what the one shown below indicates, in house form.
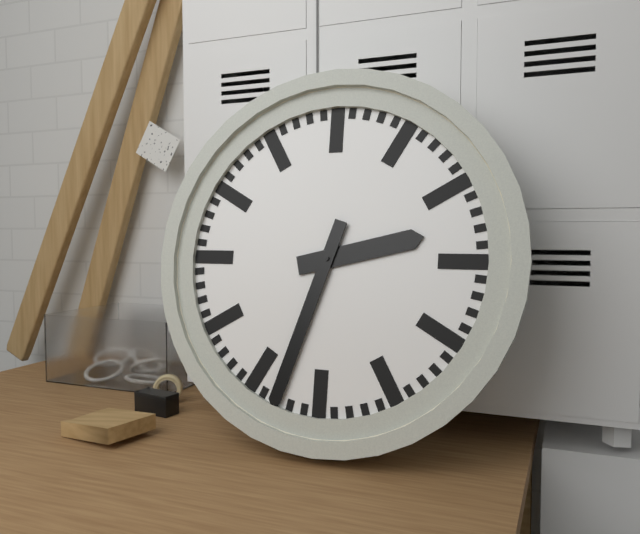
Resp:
h=2 m=33
